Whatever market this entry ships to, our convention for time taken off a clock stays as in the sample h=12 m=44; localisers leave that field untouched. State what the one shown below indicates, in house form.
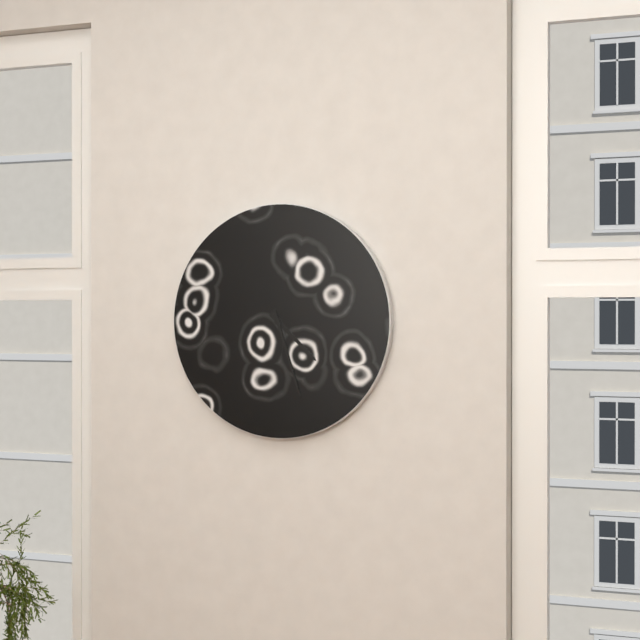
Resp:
h=4 m=27
